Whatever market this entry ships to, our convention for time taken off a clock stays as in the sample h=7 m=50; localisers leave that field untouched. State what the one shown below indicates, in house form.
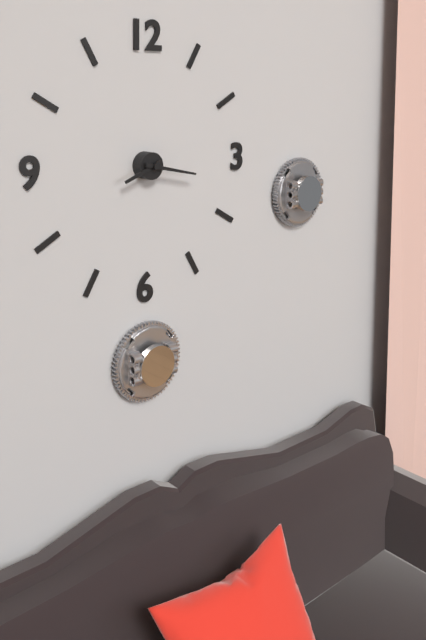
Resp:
h=8 m=17
